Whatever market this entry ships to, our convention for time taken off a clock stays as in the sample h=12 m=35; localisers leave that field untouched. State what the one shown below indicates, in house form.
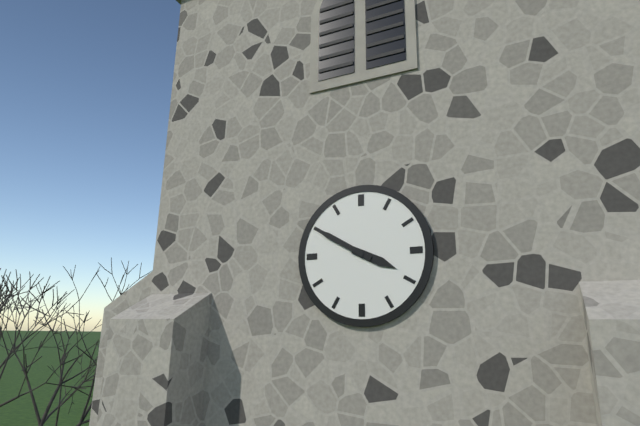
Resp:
h=3 m=50
